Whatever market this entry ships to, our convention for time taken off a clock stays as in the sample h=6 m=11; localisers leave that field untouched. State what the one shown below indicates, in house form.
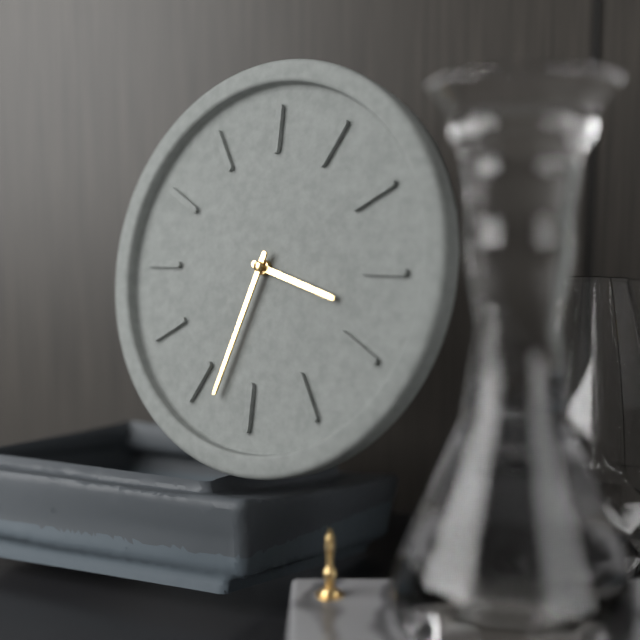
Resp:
h=3 m=33
